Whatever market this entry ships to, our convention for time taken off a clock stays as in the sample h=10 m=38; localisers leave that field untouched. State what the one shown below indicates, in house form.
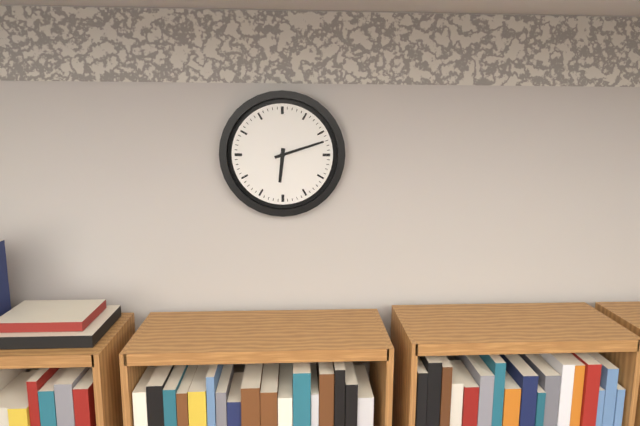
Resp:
h=6 m=12
